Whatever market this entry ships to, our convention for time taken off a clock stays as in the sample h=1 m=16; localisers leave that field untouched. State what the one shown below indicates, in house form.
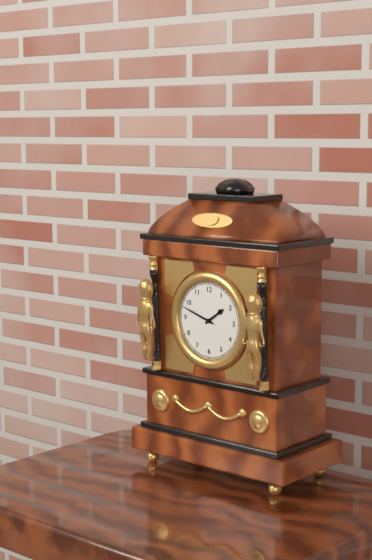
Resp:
h=1 m=48
